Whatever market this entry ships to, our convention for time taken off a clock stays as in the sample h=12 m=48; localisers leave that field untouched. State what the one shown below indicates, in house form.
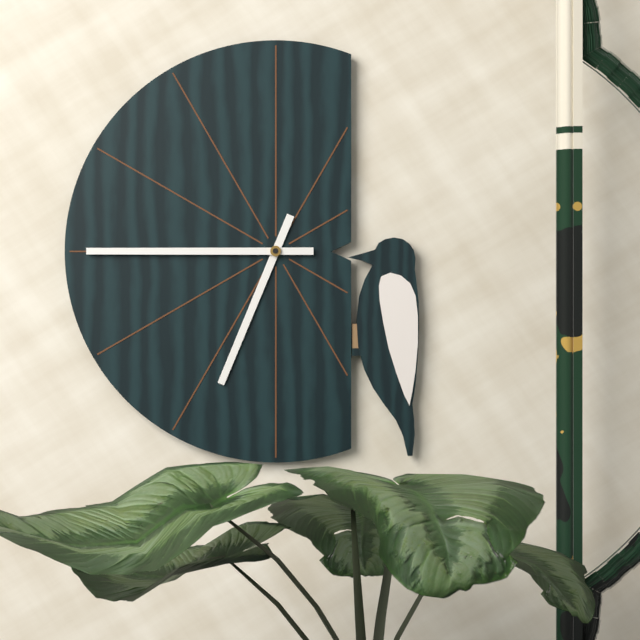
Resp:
h=6 m=45
